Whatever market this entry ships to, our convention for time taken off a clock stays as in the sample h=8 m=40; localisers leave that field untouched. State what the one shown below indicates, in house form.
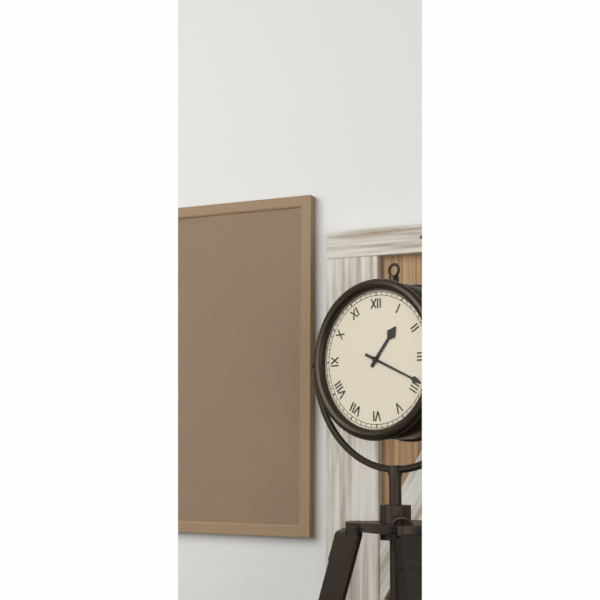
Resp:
h=1 m=19
